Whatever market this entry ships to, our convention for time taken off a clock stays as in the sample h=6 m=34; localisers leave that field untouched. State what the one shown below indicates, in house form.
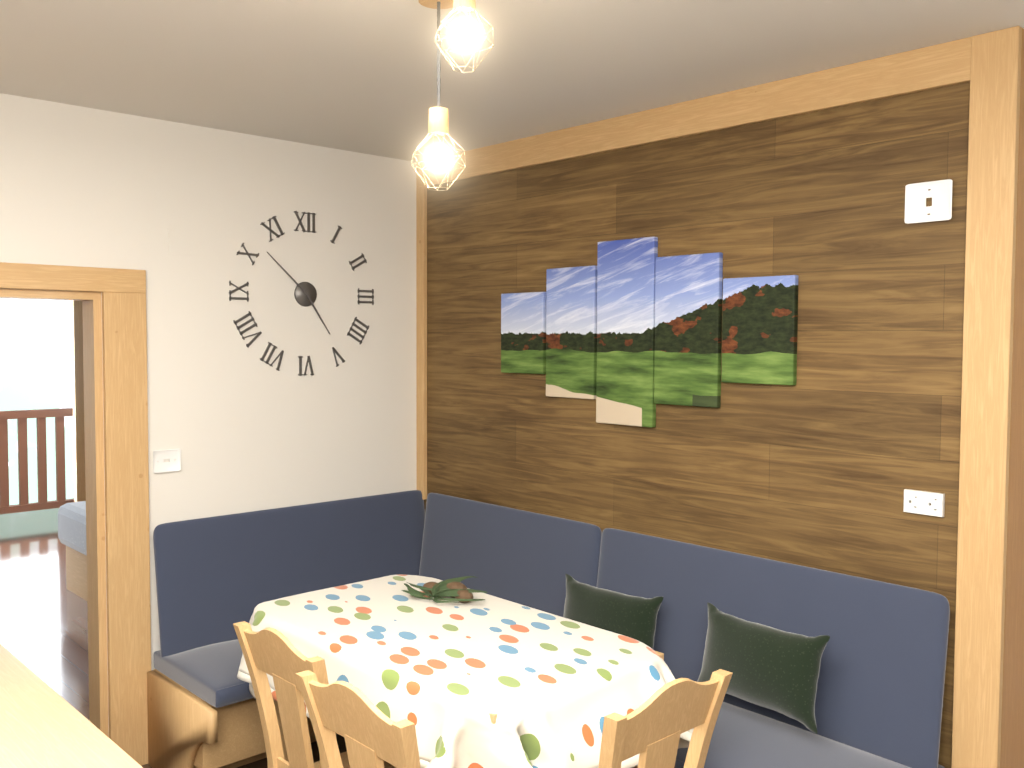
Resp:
h=4 m=52
